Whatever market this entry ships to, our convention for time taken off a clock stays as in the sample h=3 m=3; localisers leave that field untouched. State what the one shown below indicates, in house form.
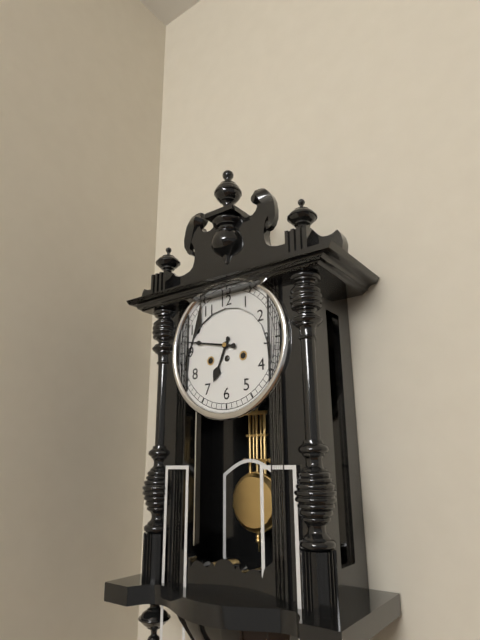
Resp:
h=6 m=47
